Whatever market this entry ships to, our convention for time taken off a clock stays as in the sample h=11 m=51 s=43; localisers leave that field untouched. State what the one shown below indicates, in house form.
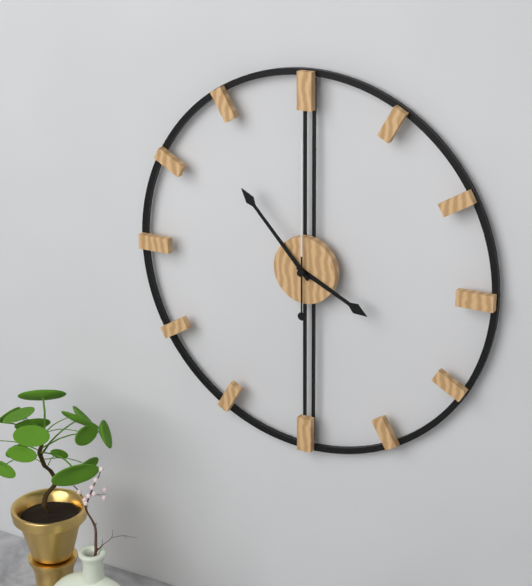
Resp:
h=3 m=53 s=0
